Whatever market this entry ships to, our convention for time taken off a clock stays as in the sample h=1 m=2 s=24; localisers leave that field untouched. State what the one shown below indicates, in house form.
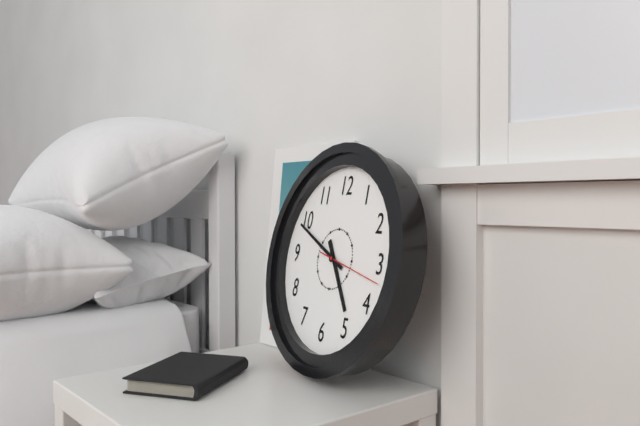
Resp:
h=4 m=49 s=17
